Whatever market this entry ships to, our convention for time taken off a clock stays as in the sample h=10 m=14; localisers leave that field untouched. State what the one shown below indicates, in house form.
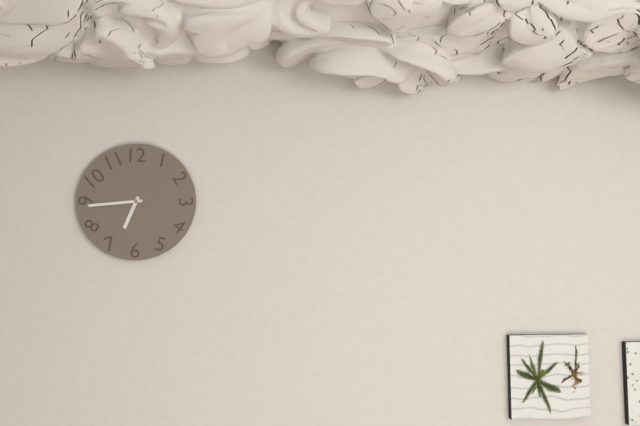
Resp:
h=6 m=44
